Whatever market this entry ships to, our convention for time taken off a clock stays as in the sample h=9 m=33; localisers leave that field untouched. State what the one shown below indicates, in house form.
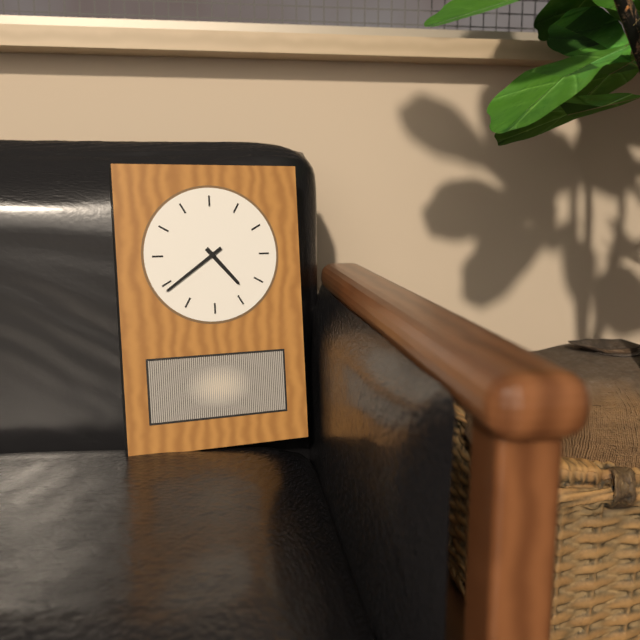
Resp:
h=4 m=39
